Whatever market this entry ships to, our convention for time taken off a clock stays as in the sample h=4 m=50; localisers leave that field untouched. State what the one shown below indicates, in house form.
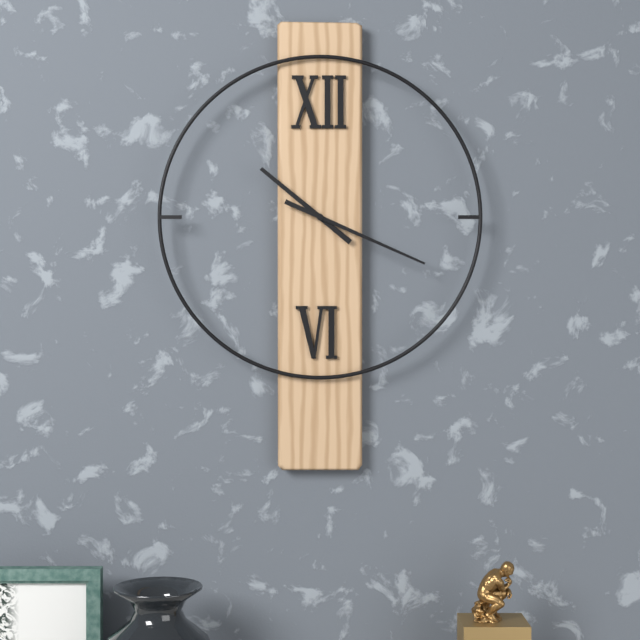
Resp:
h=10 m=19
